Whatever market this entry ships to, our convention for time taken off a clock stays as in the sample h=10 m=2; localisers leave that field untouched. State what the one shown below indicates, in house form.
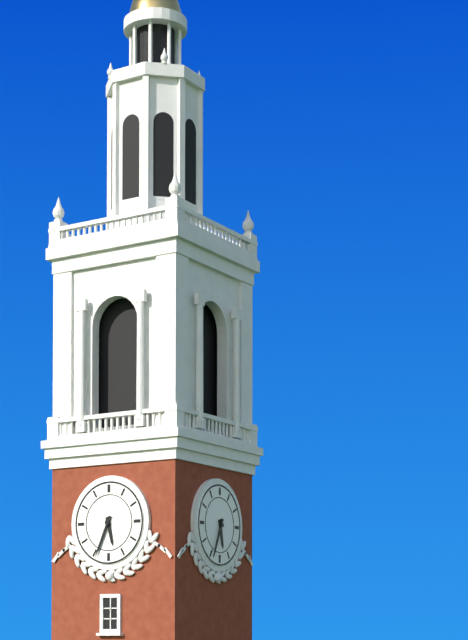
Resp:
h=5 m=34
